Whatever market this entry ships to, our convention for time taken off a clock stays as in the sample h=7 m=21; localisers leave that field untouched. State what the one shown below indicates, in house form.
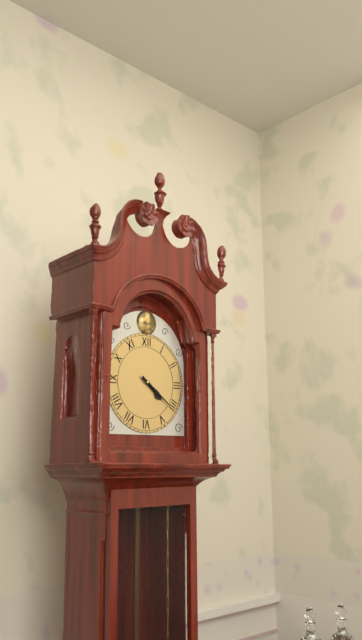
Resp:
h=4 m=21
